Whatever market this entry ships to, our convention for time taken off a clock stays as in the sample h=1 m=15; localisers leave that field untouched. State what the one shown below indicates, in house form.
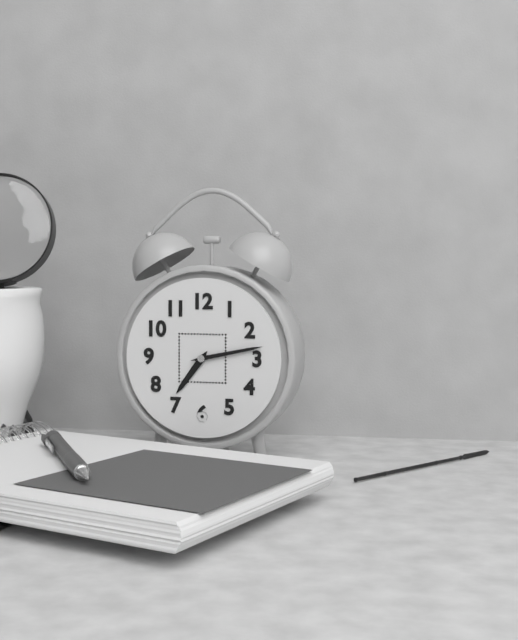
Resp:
h=7 m=13
